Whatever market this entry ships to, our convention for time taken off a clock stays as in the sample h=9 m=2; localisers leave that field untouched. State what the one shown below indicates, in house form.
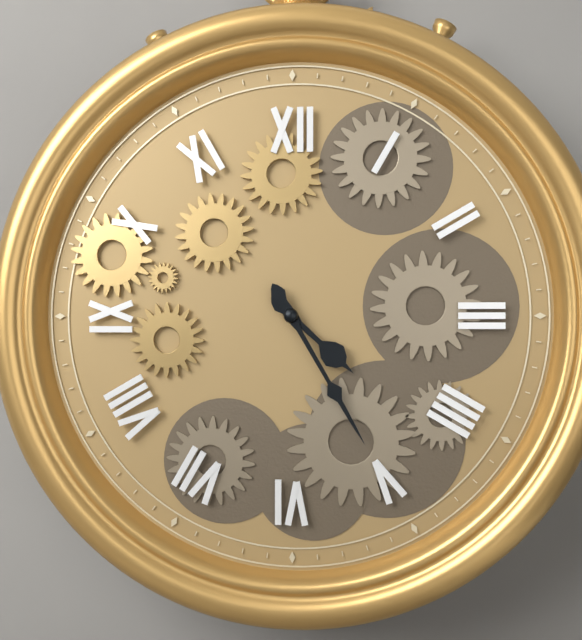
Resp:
h=4 m=25
